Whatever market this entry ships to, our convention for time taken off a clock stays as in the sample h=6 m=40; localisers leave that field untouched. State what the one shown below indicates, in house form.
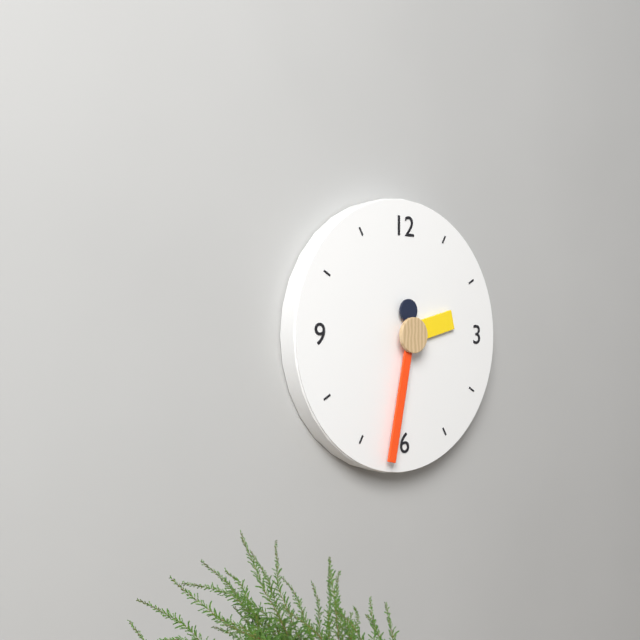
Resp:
h=2 m=32
